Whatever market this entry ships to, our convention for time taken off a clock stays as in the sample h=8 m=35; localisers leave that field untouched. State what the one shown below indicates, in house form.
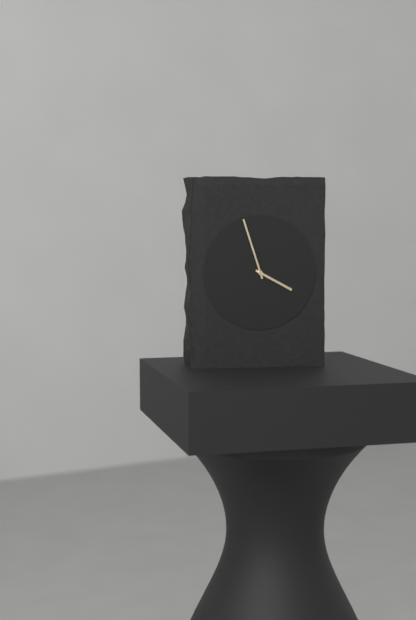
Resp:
h=3 m=57
